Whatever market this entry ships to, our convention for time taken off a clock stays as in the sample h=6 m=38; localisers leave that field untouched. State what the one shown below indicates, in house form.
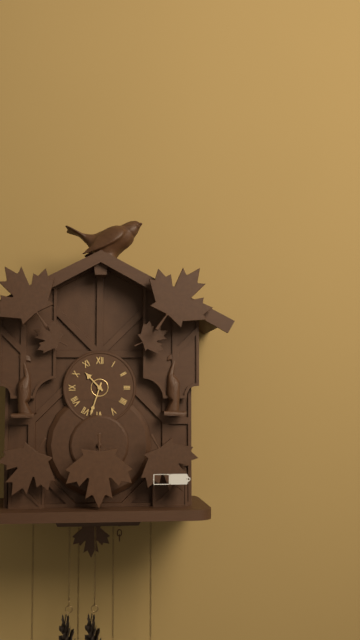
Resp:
h=10 m=33
